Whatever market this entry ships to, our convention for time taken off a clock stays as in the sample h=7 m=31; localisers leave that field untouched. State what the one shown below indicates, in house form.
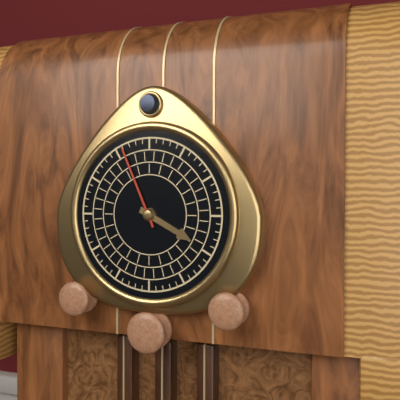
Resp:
h=3 m=56
